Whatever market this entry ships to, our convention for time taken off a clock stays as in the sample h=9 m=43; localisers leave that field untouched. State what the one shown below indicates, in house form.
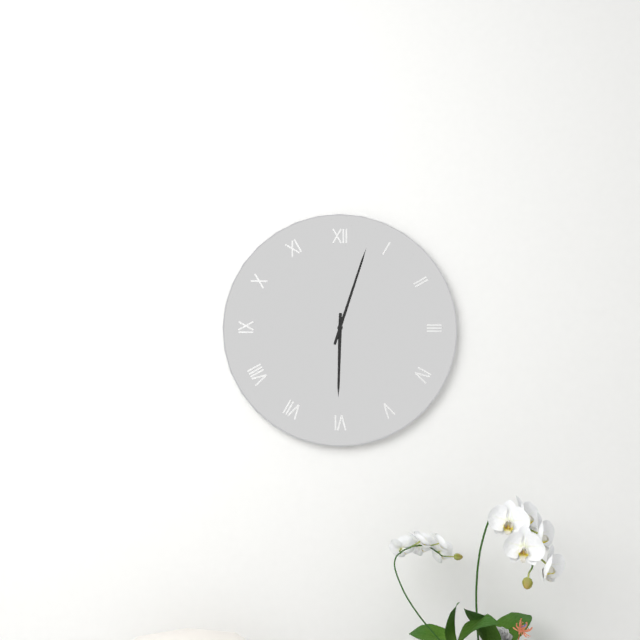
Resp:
h=6 m=3
